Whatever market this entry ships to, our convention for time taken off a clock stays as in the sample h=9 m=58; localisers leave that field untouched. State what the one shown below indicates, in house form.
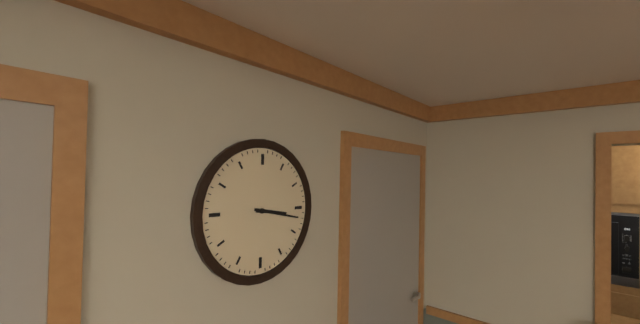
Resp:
h=3 m=17
